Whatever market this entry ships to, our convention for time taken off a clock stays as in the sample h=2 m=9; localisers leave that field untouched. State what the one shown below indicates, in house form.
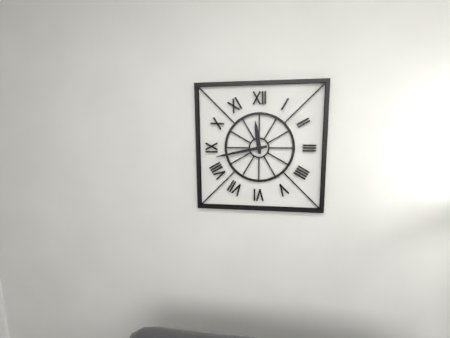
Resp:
h=11 m=43
